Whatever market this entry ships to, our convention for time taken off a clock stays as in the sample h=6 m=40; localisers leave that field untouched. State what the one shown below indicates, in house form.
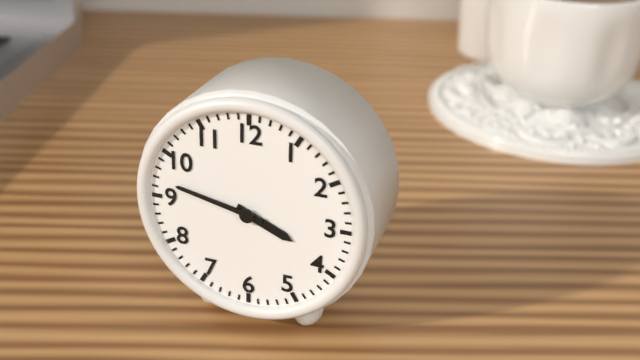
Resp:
h=3 m=47
